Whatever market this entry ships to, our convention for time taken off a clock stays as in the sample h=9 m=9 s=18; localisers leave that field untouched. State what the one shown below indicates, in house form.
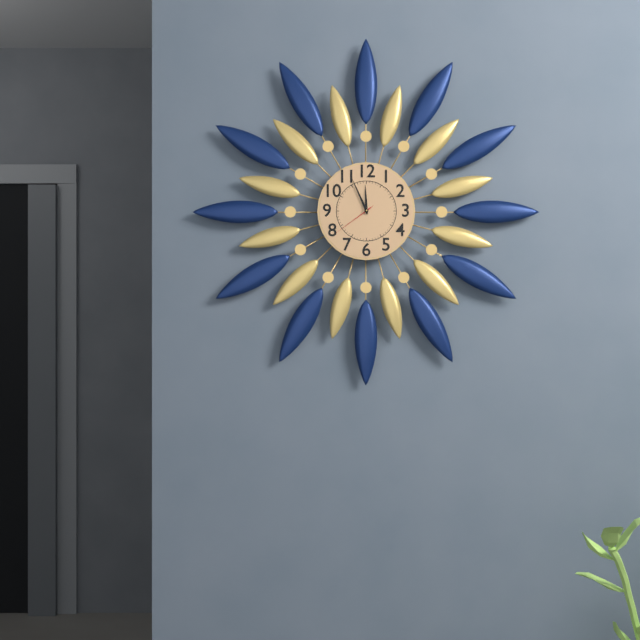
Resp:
h=11 m=56 s=39
